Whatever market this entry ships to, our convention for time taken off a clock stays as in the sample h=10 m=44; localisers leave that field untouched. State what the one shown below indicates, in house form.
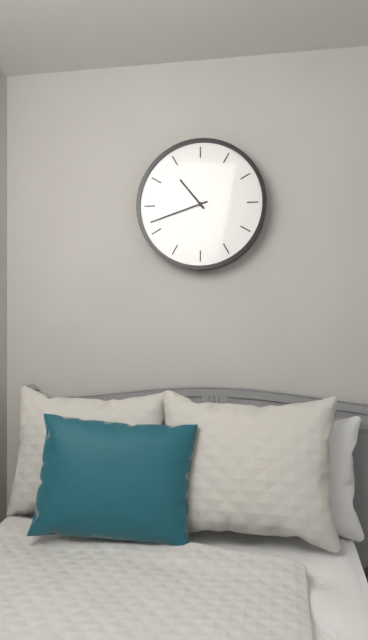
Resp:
h=10 m=42
